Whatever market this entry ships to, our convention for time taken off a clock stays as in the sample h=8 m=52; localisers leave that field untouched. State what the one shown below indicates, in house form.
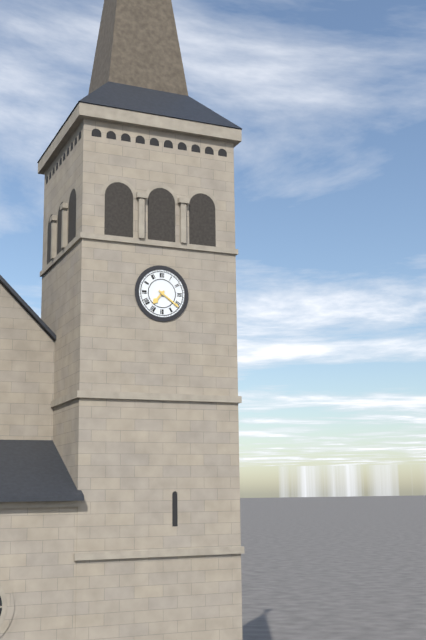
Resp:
h=7 m=21
